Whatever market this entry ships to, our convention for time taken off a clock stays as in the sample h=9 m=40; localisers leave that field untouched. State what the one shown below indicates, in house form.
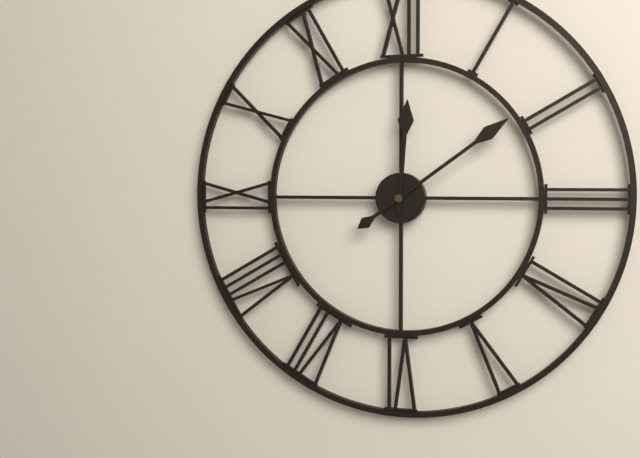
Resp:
h=12 m=9
